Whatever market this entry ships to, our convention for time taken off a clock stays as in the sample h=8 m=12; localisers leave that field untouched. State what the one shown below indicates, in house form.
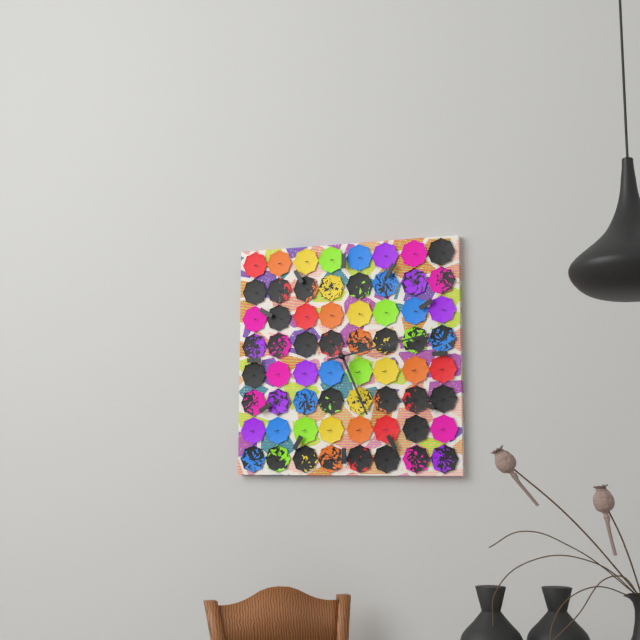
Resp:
h=5 m=13
